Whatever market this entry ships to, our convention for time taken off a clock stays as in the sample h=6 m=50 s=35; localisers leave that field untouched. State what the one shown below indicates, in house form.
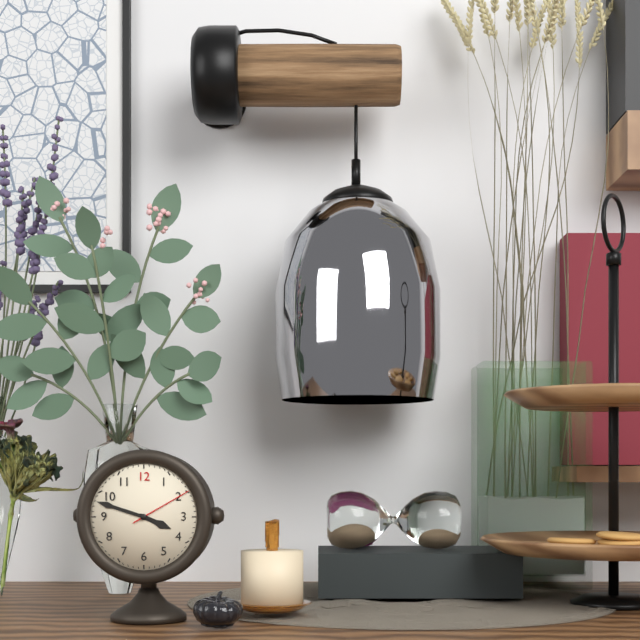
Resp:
h=3 m=48 s=10
